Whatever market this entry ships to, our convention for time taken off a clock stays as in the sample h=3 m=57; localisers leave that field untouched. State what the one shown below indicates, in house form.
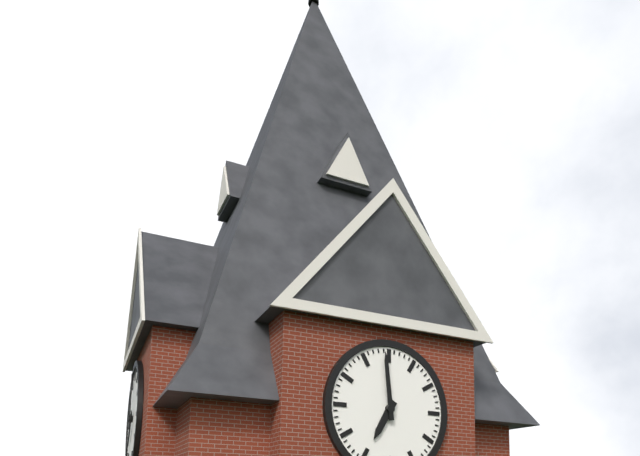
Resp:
h=6 m=59
